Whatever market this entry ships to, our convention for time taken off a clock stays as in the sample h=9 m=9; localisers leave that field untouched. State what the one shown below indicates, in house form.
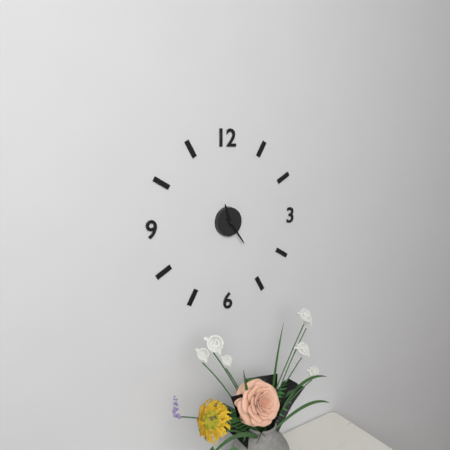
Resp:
h=11 m=24
